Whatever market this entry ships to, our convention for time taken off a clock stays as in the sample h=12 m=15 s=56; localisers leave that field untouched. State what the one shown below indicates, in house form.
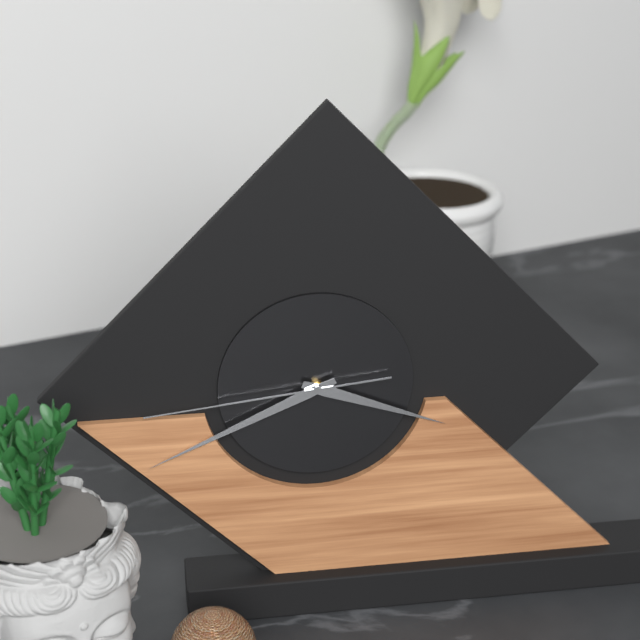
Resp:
h=3 m=41 s=44
